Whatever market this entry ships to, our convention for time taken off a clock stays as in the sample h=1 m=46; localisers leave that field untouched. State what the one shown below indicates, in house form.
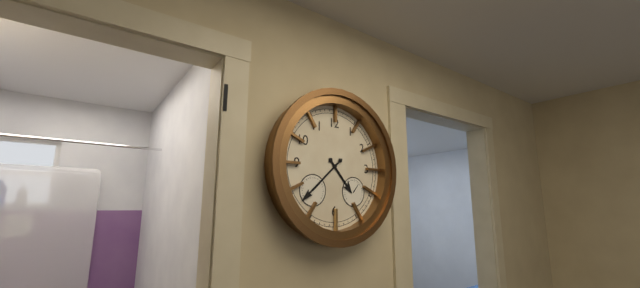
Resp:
h=4 m=38
